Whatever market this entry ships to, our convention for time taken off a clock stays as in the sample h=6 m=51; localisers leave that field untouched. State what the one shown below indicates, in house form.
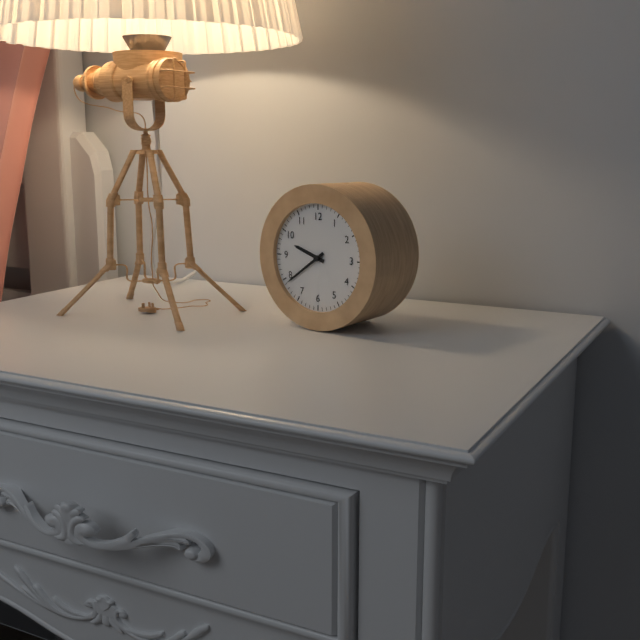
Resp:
h=9 m=39
